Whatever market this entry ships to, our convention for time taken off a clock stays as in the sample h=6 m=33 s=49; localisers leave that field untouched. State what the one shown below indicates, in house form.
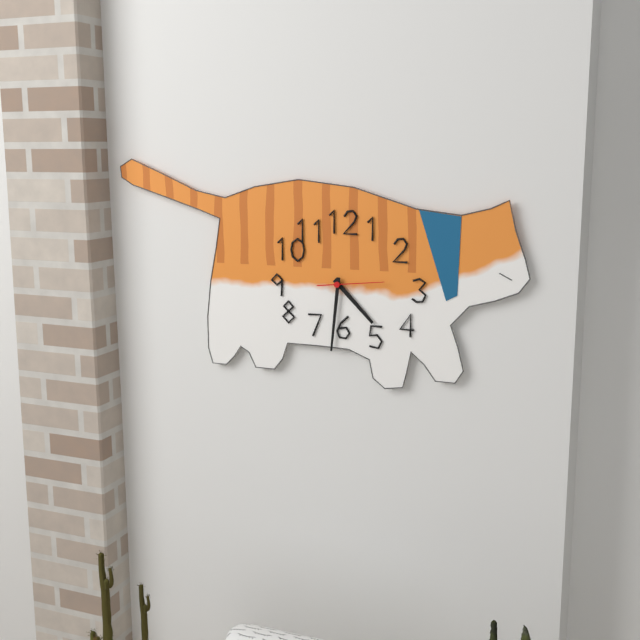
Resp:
h=4 m=31 s=14
